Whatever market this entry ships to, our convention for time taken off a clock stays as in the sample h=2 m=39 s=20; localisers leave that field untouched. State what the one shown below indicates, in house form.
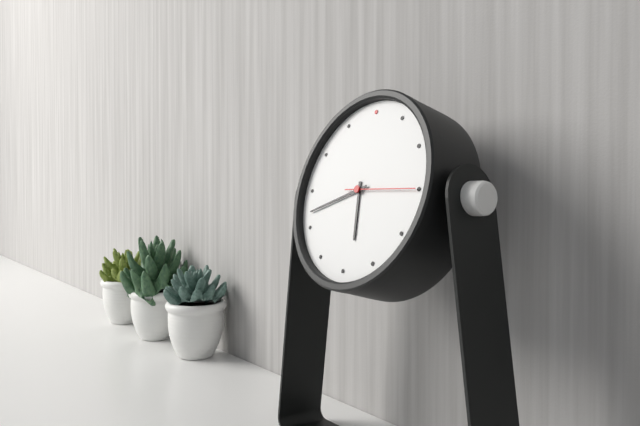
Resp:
h=5 m=42 s=15
